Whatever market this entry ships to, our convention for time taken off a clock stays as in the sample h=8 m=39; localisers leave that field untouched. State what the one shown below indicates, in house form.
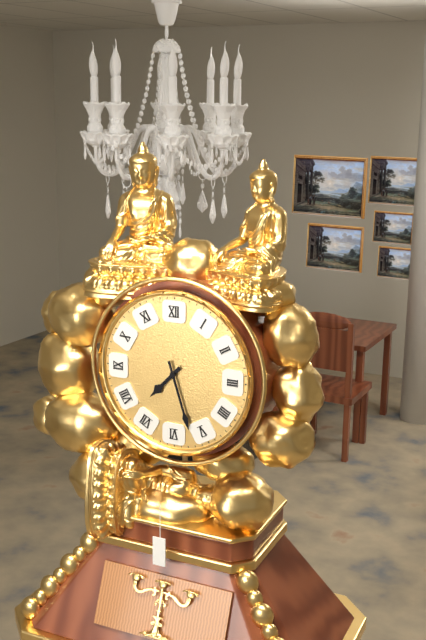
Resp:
h=7 m=27
